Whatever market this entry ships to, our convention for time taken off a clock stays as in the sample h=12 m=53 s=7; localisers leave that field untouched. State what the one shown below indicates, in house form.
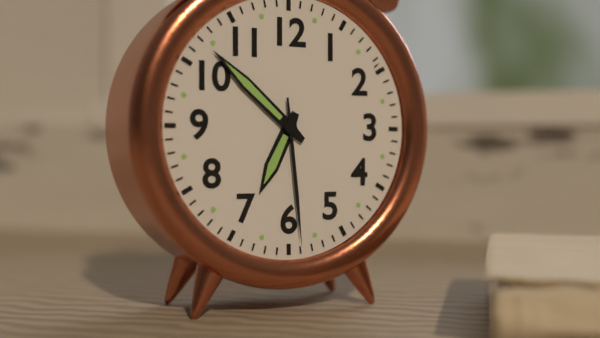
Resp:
h=6 m=52 s=29
